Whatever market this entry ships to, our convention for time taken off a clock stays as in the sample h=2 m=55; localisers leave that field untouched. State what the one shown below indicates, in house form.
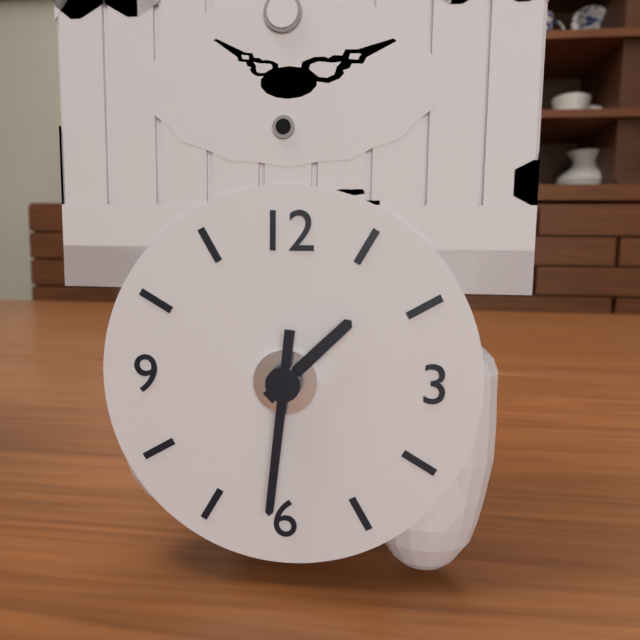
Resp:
h=1 m=31
